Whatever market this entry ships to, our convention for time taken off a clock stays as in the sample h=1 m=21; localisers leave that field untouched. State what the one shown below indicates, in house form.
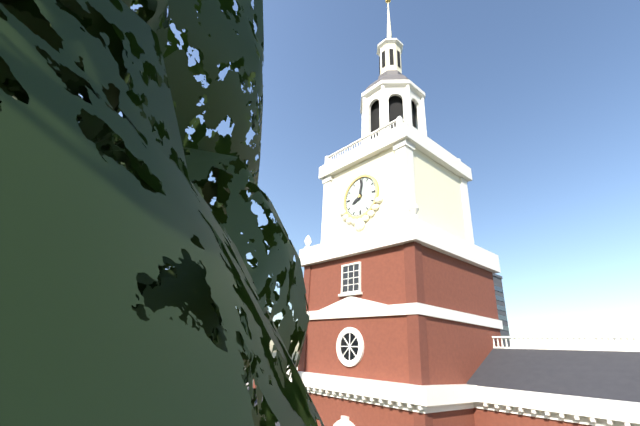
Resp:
h=8 m=2
